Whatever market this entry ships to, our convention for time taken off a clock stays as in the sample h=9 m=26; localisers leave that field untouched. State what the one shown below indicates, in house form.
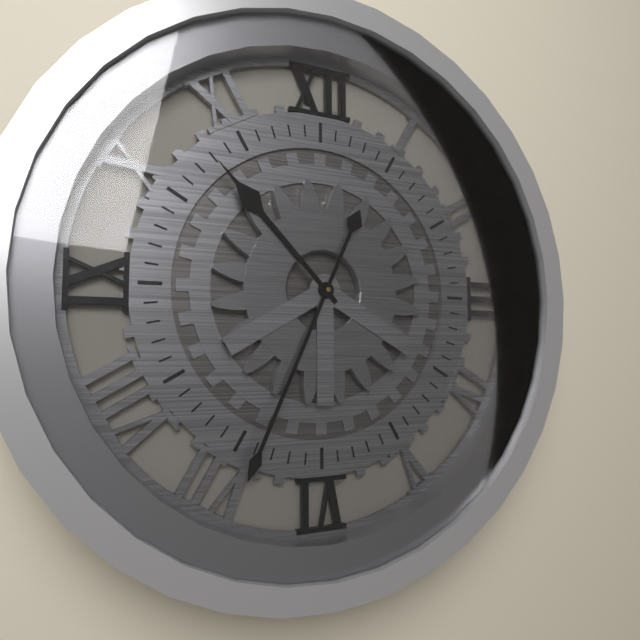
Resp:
h=10 m=34
